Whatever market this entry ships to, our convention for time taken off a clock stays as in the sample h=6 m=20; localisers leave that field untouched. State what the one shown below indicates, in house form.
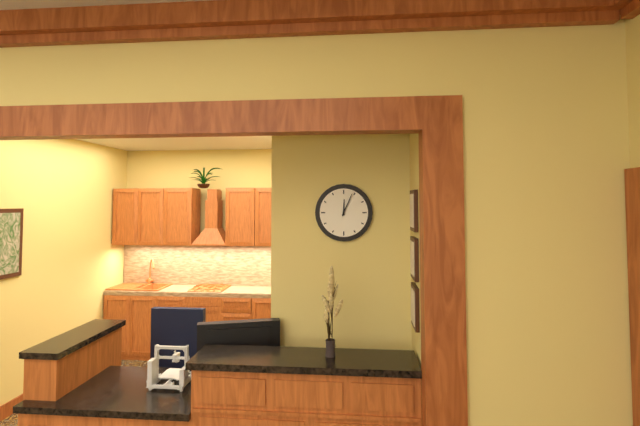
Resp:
h=12 m=4
